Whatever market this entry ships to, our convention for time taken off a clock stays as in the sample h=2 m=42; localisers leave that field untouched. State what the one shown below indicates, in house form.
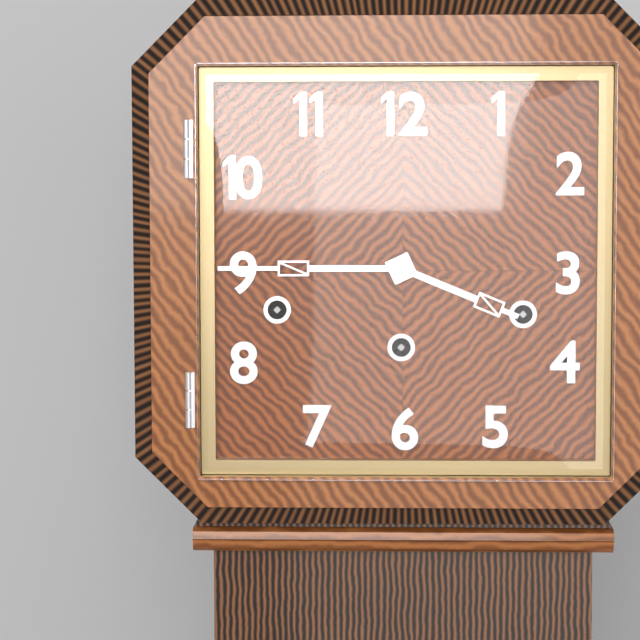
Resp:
h=3 m=45
